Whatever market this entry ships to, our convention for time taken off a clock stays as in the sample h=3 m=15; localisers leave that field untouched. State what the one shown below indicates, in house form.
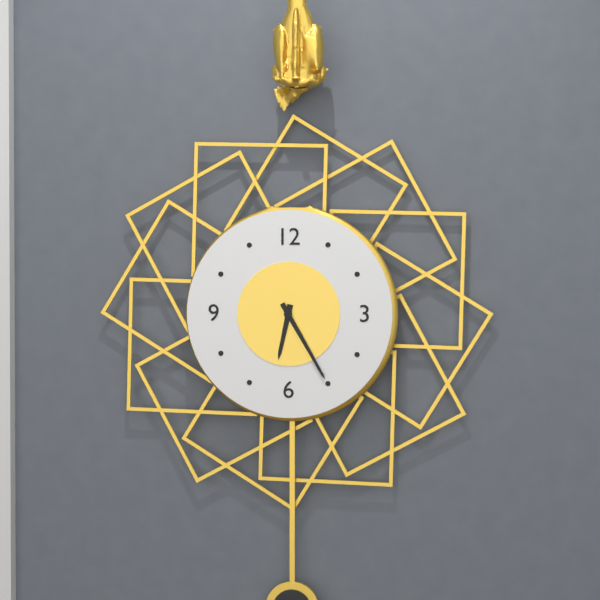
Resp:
h=6 m=25
